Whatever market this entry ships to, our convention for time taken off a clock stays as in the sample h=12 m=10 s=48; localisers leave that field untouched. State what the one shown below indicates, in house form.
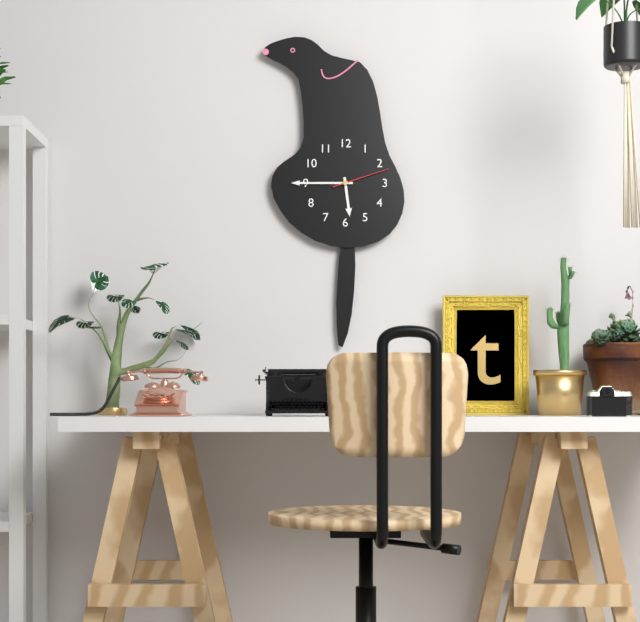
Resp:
h=5 m=45 s=12
